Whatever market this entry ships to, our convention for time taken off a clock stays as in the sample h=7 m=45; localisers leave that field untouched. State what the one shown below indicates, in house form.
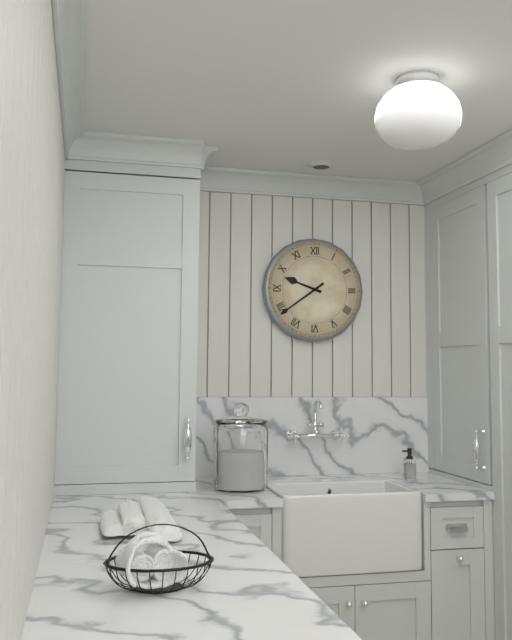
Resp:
h=9 m=39
